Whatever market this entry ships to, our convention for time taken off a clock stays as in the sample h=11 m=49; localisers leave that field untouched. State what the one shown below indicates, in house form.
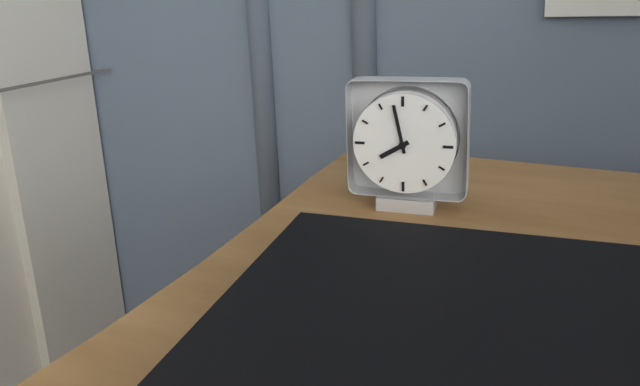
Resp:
h=7 m=58
